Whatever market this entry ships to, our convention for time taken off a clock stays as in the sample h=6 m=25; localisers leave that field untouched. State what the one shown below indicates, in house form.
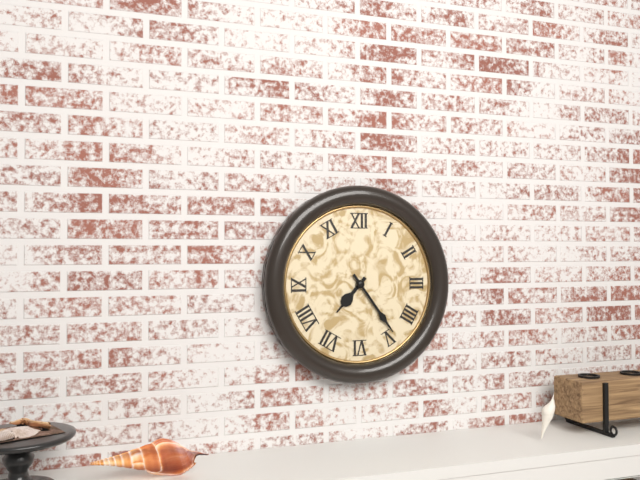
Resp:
h=7 m=24
